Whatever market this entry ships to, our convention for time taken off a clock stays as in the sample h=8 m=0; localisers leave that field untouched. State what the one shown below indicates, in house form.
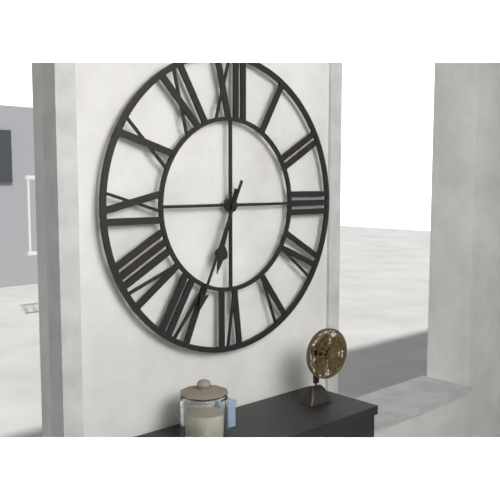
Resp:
h=6 m=34
